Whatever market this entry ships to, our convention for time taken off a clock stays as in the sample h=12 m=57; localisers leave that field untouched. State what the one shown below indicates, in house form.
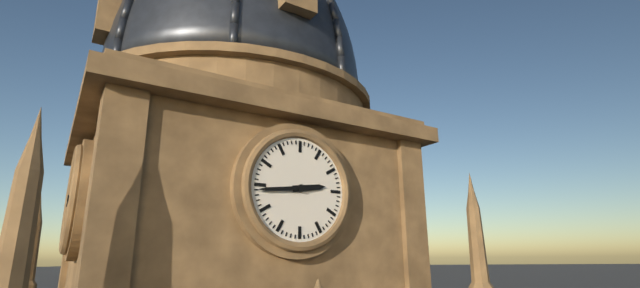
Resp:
h=2 m=44
